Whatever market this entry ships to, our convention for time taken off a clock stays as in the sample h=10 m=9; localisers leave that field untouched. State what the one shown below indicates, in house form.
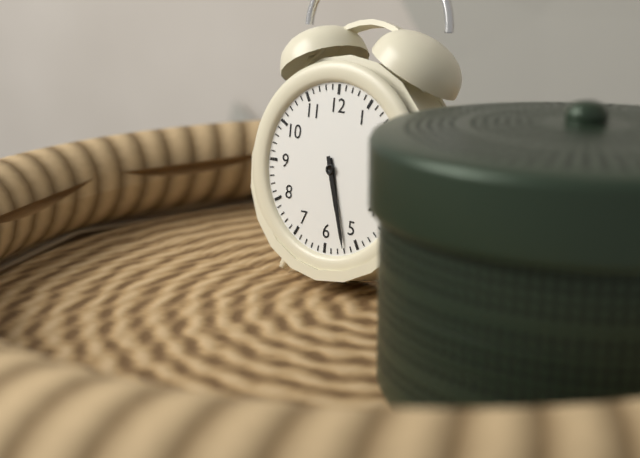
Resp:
h=5 m=27
